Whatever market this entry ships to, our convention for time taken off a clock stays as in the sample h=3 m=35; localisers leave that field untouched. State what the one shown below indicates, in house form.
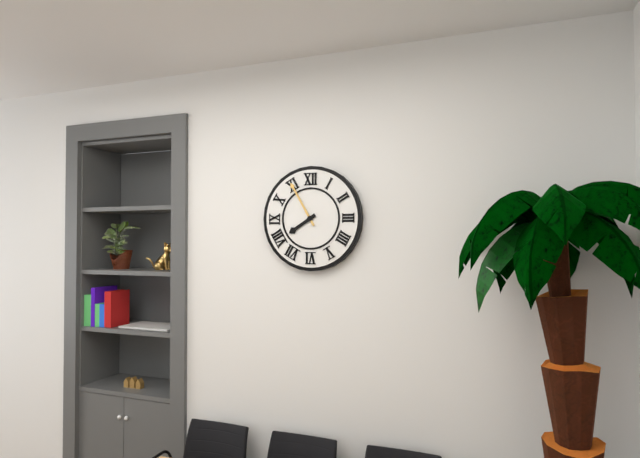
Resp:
h=7 m=55
